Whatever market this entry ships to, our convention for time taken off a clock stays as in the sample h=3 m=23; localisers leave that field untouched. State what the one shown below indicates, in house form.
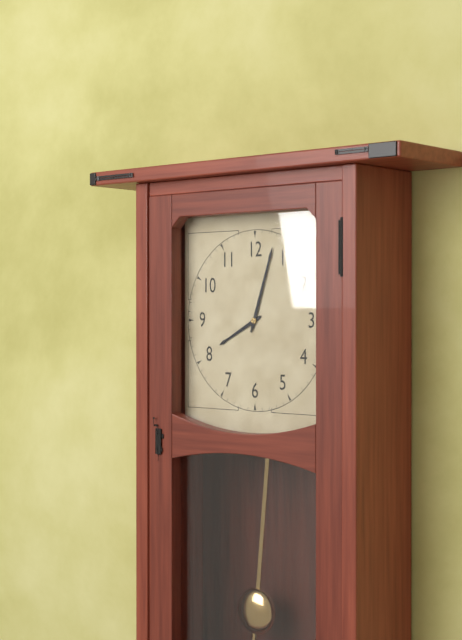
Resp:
h=8 m=3
